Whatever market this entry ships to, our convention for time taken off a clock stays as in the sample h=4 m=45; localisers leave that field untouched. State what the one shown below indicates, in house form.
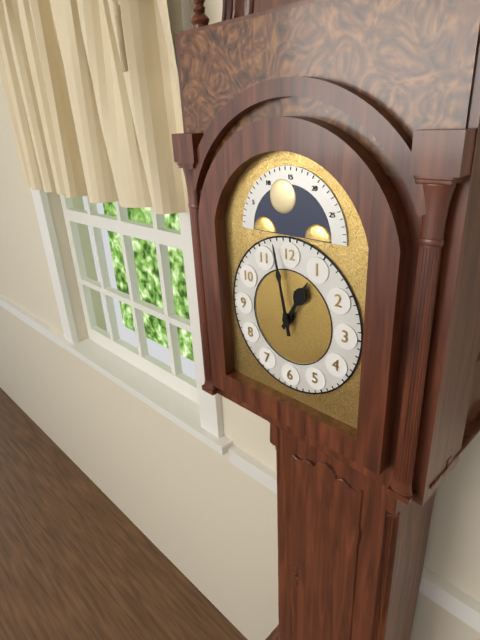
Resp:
h=12 m=58
